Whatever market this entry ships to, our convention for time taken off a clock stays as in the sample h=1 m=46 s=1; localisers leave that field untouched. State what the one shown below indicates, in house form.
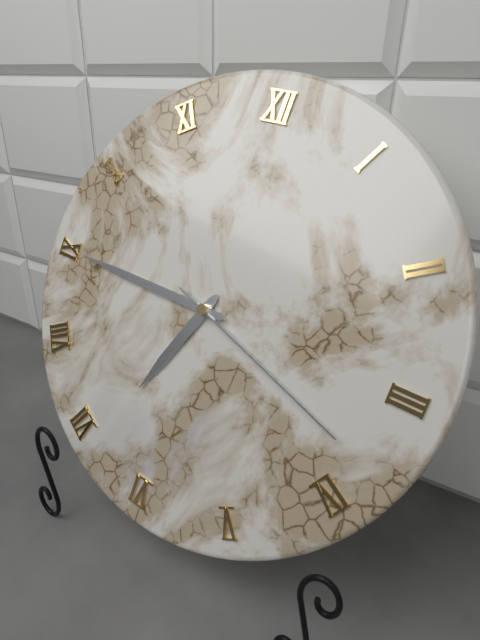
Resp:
h=6 m=45 s=18
